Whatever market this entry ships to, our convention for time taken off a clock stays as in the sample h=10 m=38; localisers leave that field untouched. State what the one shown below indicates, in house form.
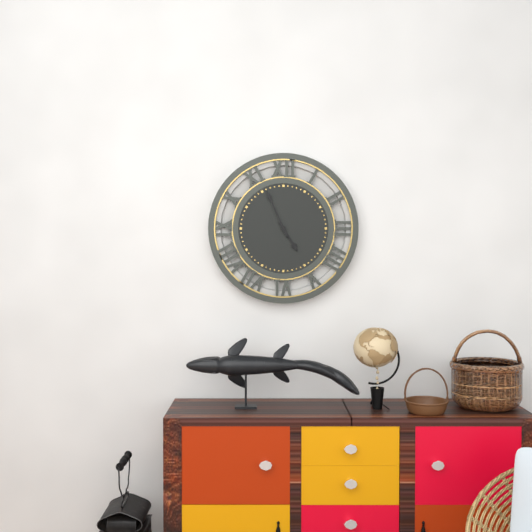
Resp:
h=4 m=56
